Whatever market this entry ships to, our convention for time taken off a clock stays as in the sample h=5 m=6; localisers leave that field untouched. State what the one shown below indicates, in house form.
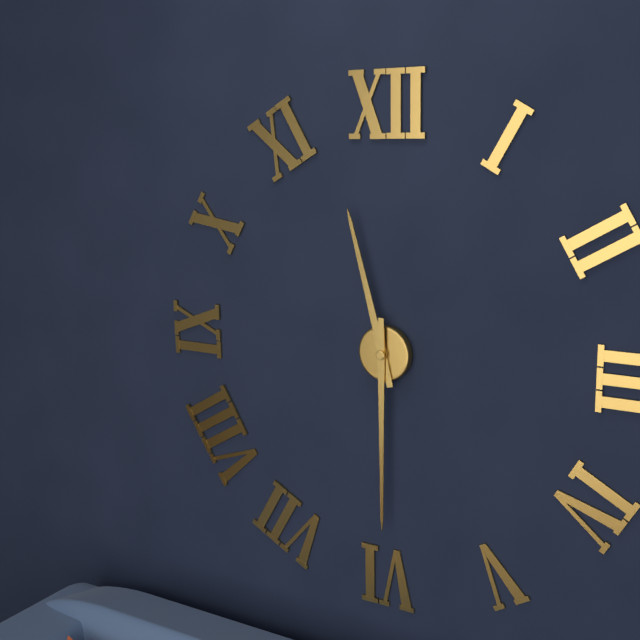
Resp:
h=11 m=30
